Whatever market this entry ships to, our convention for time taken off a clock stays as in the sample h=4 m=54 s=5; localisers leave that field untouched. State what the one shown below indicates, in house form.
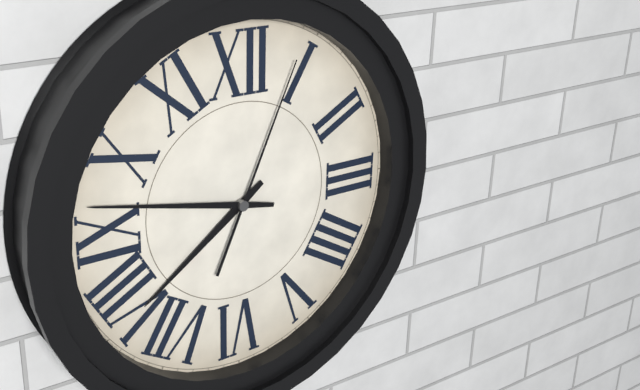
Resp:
h=7 m=47 s=4
